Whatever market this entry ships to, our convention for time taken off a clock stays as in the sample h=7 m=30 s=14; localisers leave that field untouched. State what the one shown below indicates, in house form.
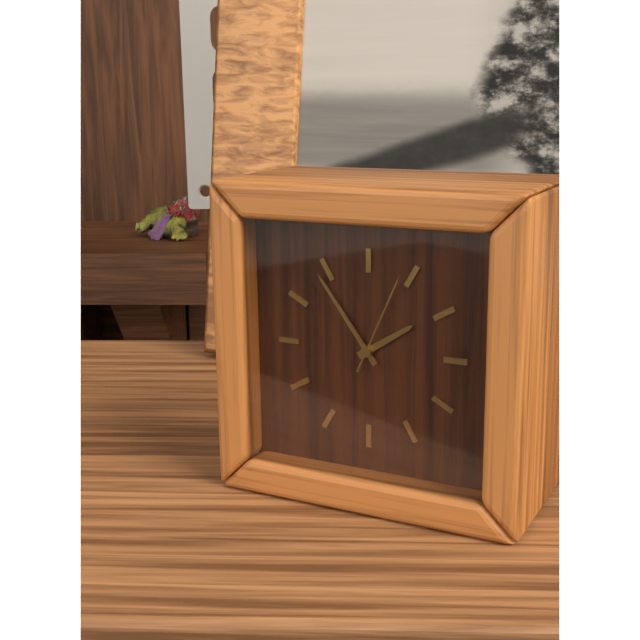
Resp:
h=1 m=54 s=4
